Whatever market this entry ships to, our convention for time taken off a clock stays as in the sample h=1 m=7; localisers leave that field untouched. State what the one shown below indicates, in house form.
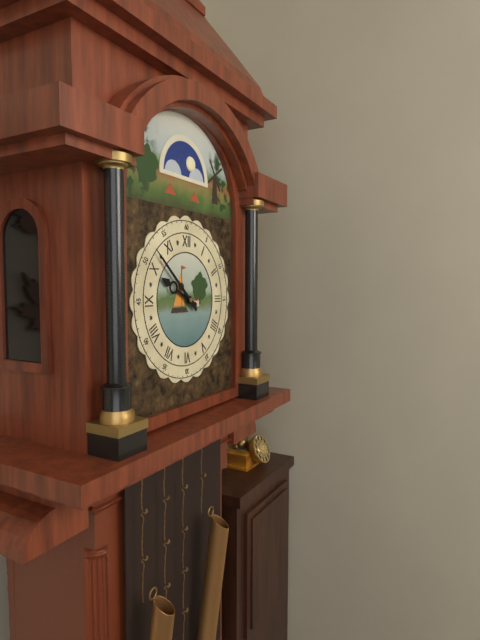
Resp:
h=9 m=52
